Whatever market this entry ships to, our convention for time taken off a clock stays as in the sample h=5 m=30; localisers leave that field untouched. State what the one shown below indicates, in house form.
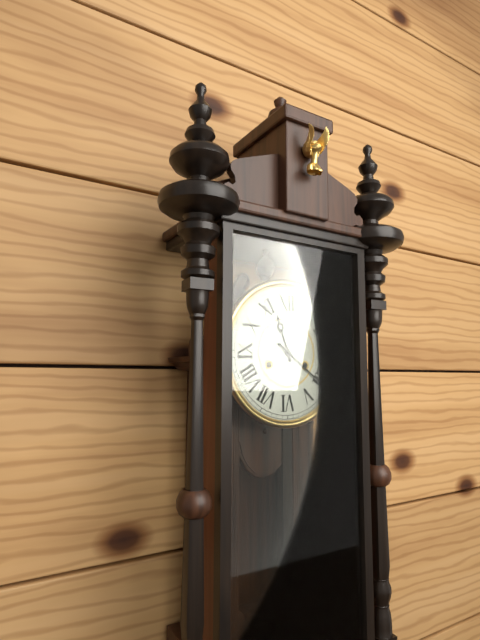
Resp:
h=11 m=21
